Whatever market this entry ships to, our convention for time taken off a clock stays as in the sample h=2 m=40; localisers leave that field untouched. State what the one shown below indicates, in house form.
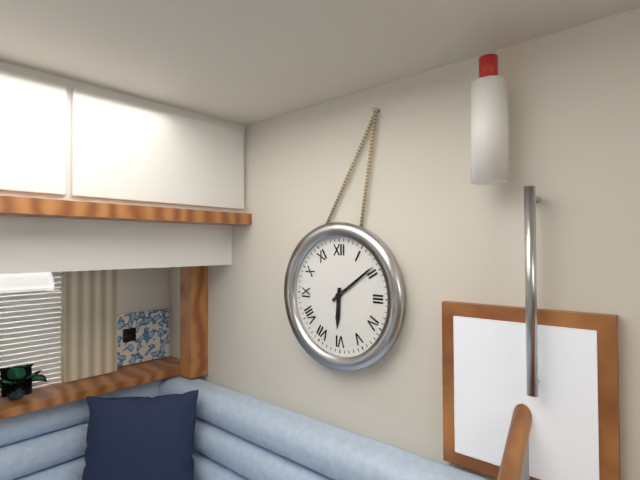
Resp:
h=6 m=9
